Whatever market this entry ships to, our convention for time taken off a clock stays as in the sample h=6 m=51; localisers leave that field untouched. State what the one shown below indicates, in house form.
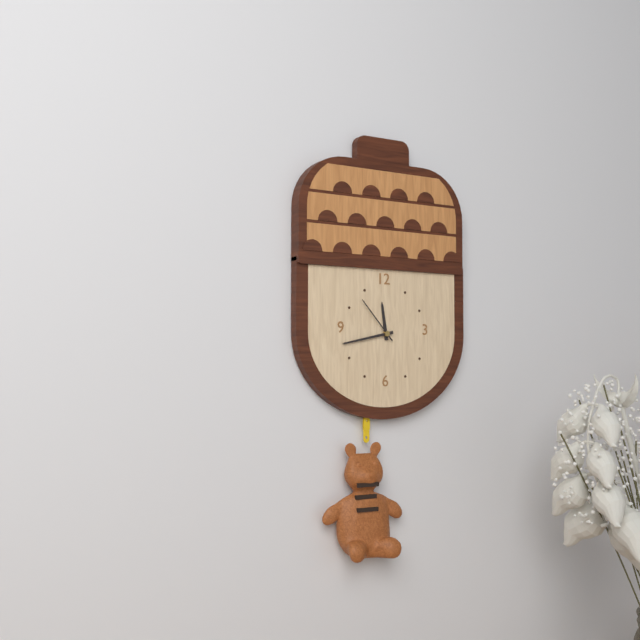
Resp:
h=11 m=43
